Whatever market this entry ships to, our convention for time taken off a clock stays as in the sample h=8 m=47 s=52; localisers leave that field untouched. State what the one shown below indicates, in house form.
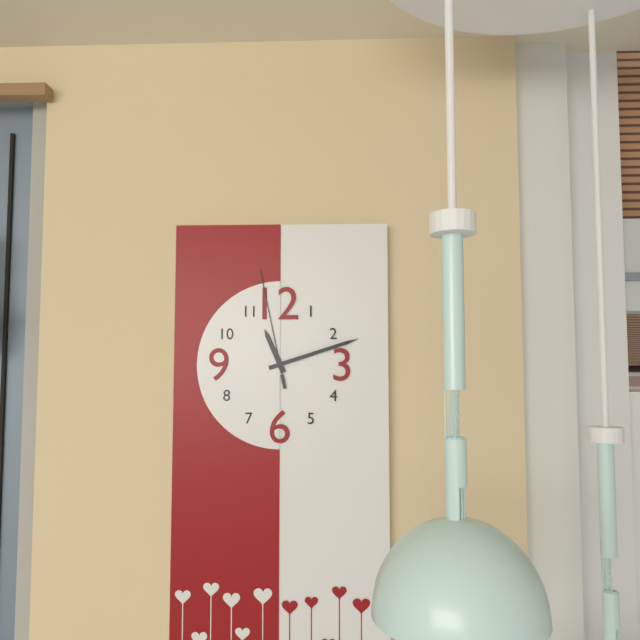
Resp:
h=11 m=12 s=58
